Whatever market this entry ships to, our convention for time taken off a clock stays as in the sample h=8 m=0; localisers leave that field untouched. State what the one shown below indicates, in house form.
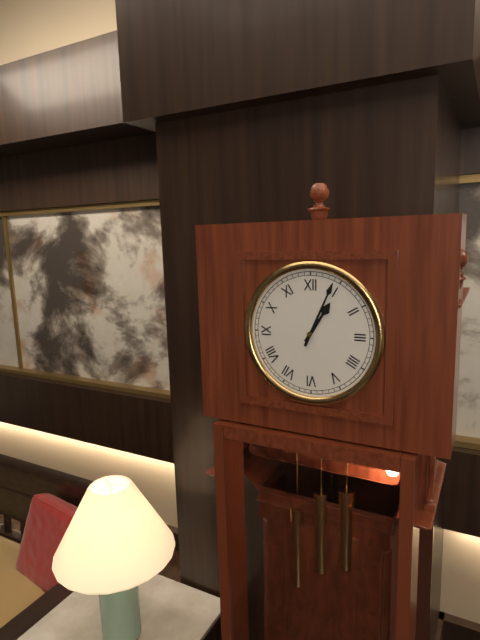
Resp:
h=1 m=4
